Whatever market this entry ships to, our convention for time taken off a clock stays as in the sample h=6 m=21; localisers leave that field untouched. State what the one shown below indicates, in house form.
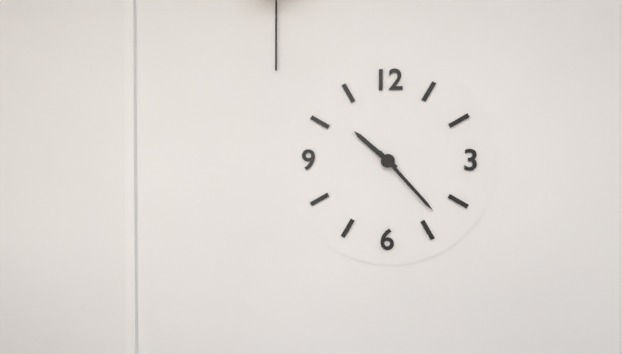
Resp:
h=10 m=23
